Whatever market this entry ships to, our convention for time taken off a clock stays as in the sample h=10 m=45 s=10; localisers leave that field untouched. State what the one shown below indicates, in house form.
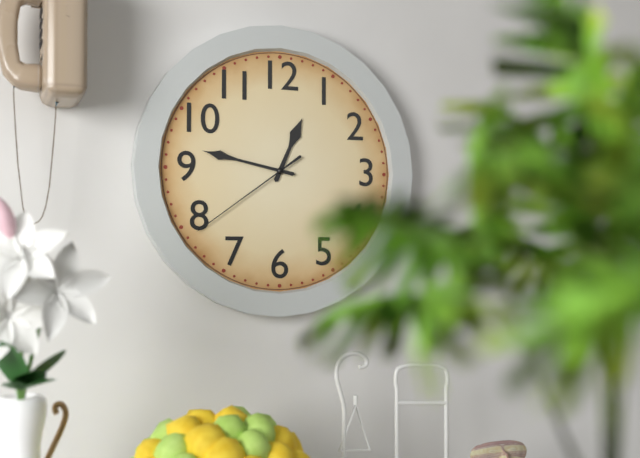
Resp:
h=12 m=47 s=39
